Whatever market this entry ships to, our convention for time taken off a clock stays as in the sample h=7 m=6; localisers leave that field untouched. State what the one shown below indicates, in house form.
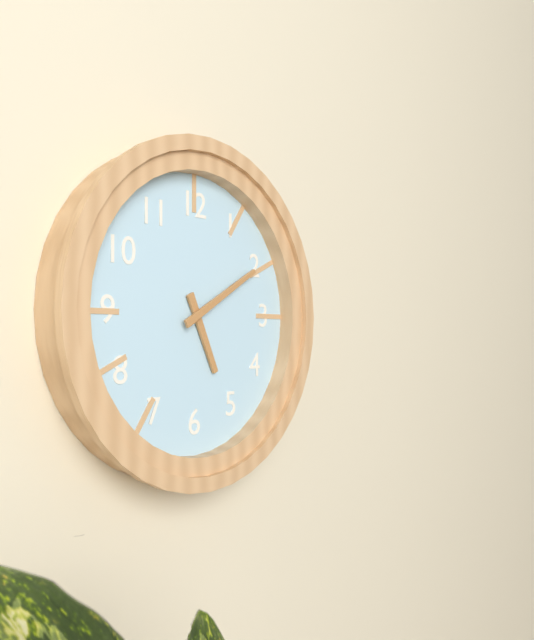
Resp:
h=5 m=10
